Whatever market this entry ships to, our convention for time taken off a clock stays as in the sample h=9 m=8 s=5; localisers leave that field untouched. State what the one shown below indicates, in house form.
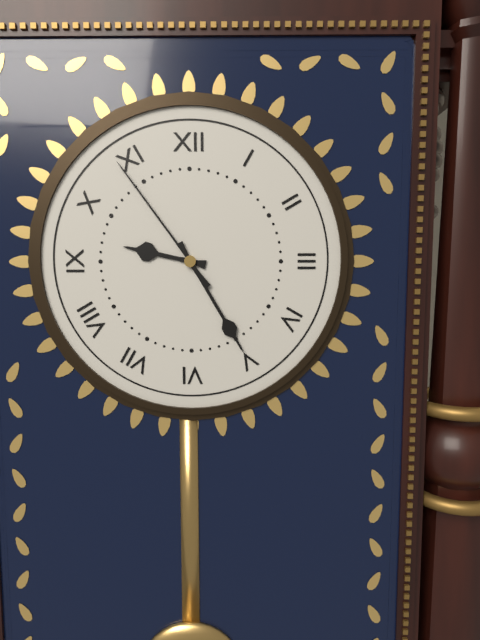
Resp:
h=9 m=25 s=54
